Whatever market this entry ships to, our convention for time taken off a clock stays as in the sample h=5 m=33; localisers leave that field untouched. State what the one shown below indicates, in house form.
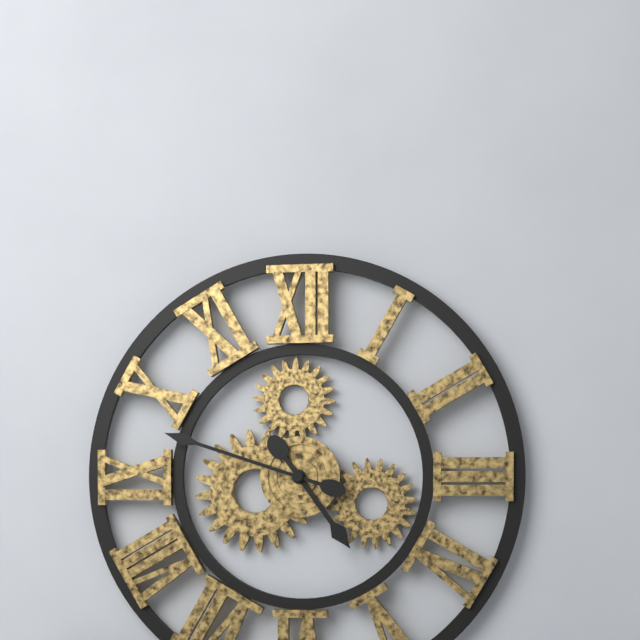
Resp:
h=4 m=48
